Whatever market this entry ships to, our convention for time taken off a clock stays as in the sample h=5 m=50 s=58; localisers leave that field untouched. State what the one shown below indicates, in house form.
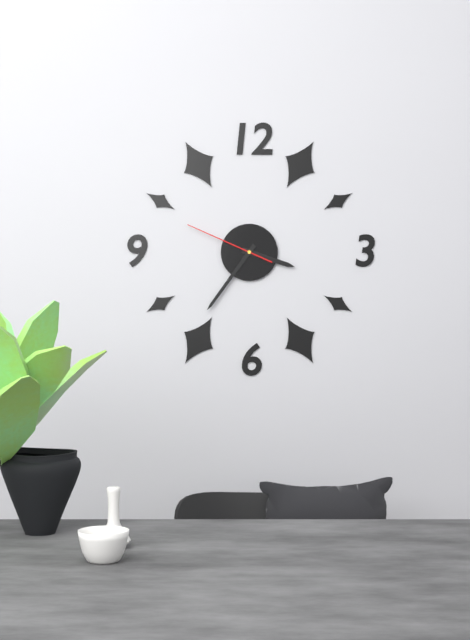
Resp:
h=3 m=36 s=49
